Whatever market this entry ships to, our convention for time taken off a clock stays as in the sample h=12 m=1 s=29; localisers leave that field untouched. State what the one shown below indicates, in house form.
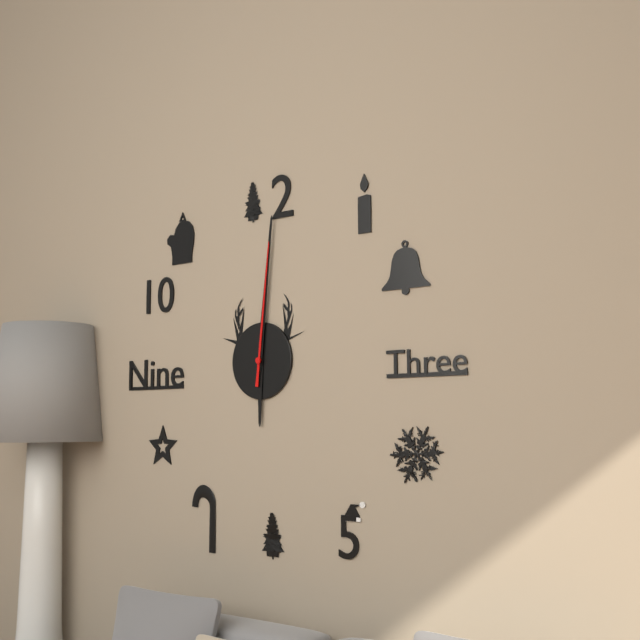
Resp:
h=6 m=1 s=1
